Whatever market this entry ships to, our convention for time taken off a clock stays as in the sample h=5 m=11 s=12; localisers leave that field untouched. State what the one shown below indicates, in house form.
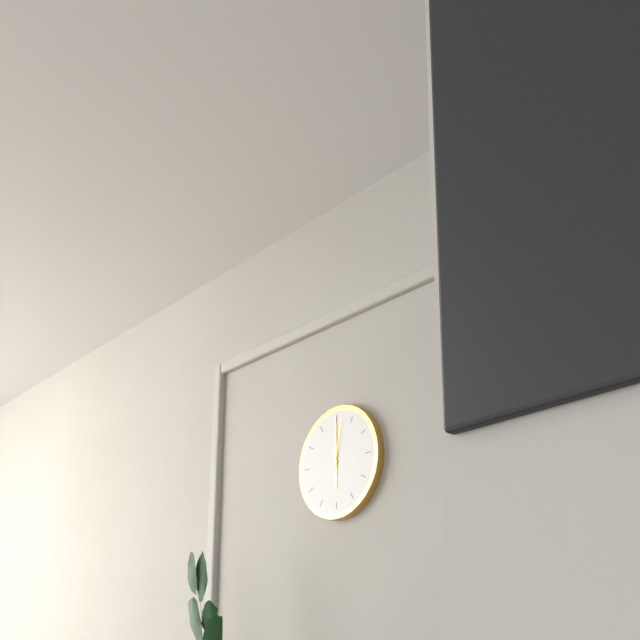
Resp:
h=6 m=0 s=2
